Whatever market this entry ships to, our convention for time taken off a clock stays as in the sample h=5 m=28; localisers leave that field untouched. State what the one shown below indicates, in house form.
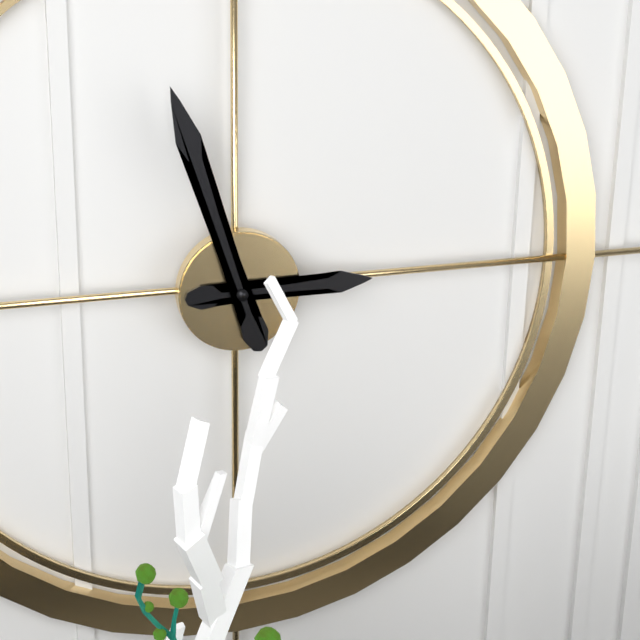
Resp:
h=2 m=57
